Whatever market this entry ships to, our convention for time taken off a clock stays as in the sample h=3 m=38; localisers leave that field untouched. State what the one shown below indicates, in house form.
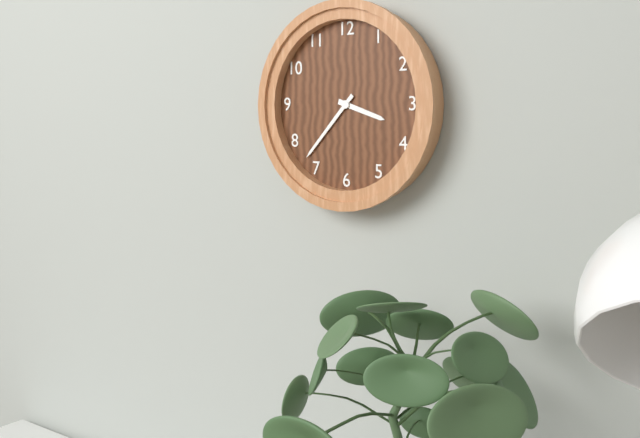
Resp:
h=3 m=37
